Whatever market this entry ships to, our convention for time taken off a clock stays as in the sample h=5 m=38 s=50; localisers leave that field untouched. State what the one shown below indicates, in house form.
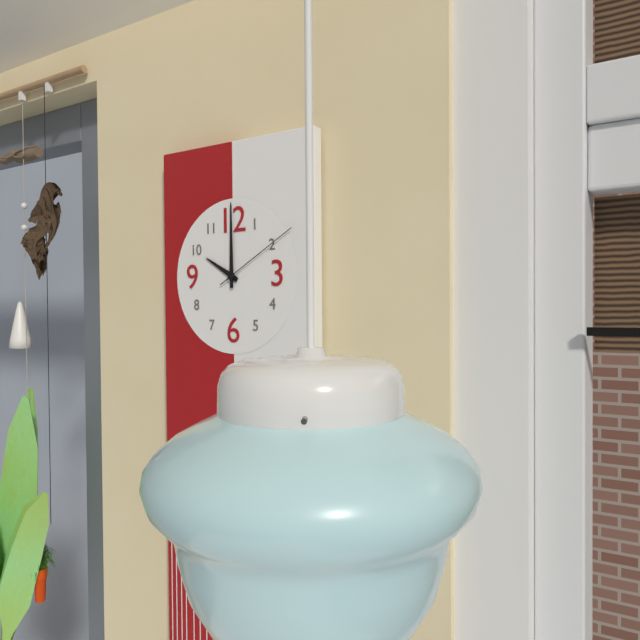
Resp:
h=10 m=0 s=10
